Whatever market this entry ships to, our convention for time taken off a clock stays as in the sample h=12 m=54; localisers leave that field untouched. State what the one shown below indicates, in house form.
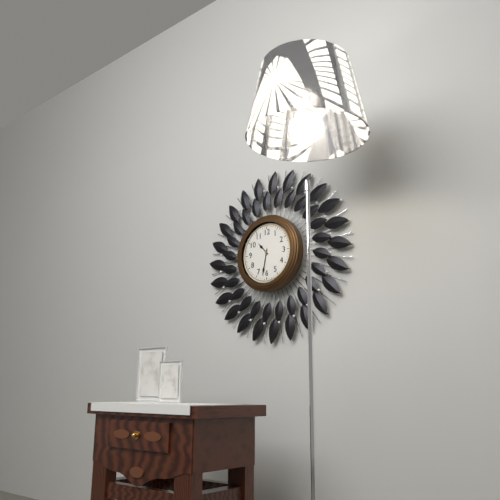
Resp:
h=10 m=32
